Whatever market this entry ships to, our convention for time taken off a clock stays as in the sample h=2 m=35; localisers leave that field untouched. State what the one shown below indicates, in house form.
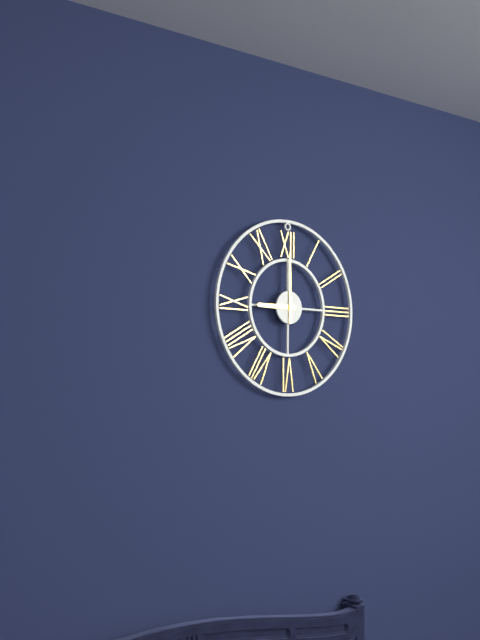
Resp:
h=9 m=0
